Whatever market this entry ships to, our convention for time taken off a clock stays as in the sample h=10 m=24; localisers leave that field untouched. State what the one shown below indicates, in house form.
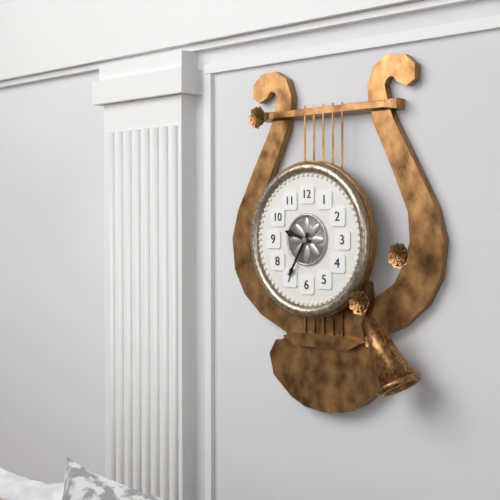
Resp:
h=9 m=35
